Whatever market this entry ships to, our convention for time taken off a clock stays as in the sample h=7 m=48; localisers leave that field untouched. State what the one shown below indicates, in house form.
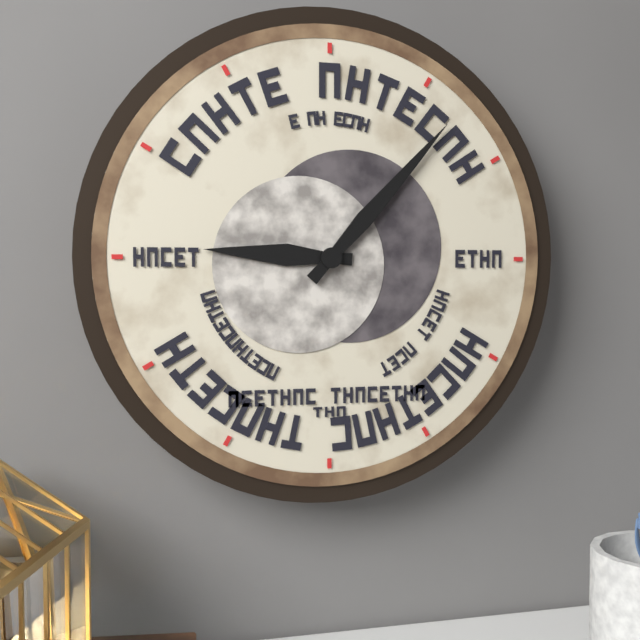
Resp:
h=9 m=7
